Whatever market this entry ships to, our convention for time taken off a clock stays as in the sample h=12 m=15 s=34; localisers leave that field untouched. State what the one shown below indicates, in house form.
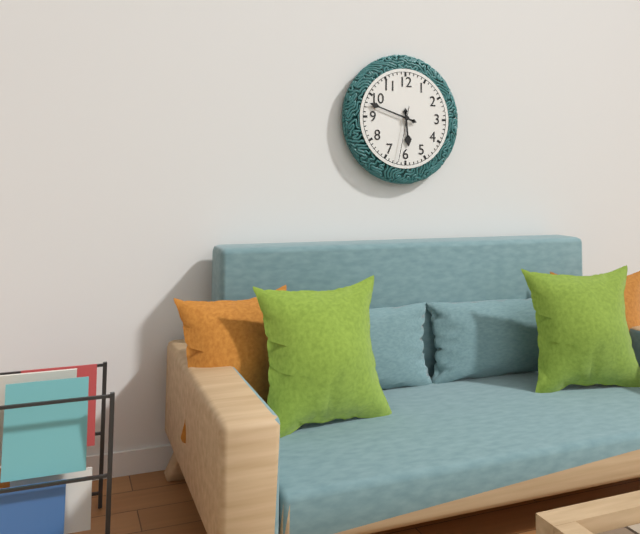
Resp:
h=5 m=48 s=32
